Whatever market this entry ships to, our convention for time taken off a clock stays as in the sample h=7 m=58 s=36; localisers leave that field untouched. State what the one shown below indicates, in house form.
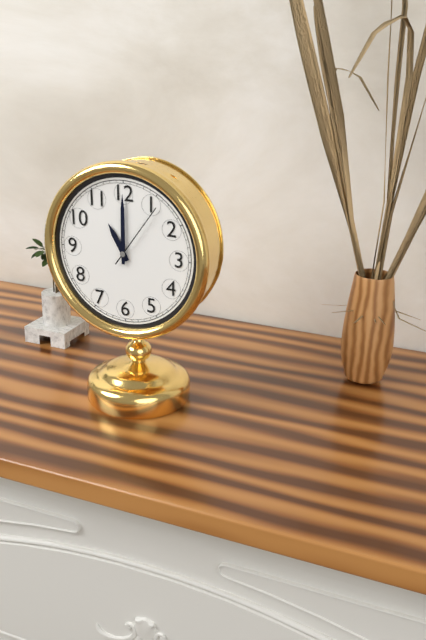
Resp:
h=11 m=0 s=6
